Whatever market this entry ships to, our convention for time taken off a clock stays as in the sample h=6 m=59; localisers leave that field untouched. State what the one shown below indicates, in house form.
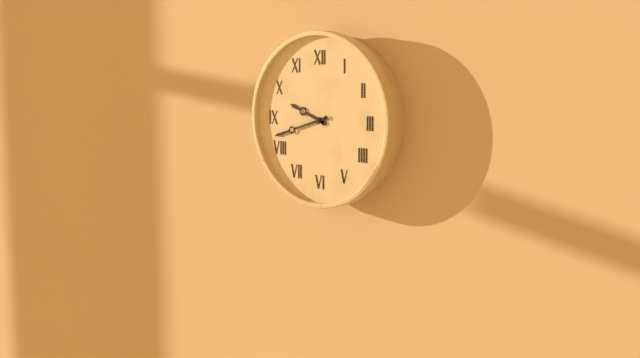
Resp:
h=9 m=42
